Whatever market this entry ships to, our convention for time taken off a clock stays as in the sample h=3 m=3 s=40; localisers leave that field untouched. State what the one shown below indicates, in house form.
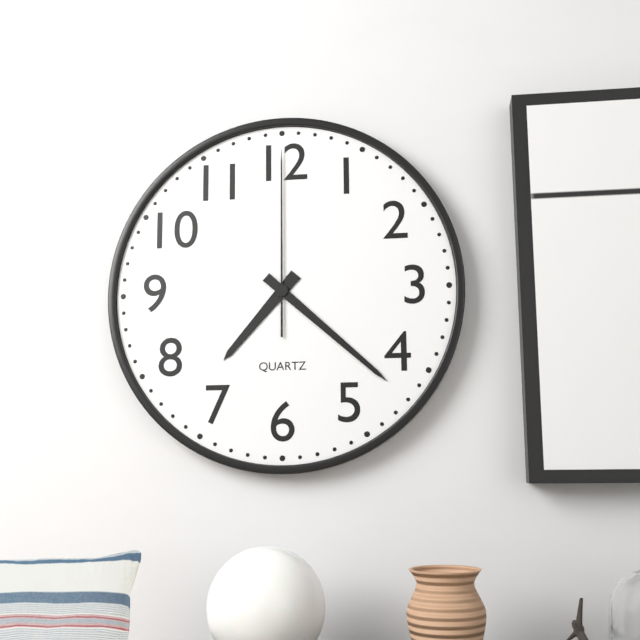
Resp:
h=7 m=22 s=0
